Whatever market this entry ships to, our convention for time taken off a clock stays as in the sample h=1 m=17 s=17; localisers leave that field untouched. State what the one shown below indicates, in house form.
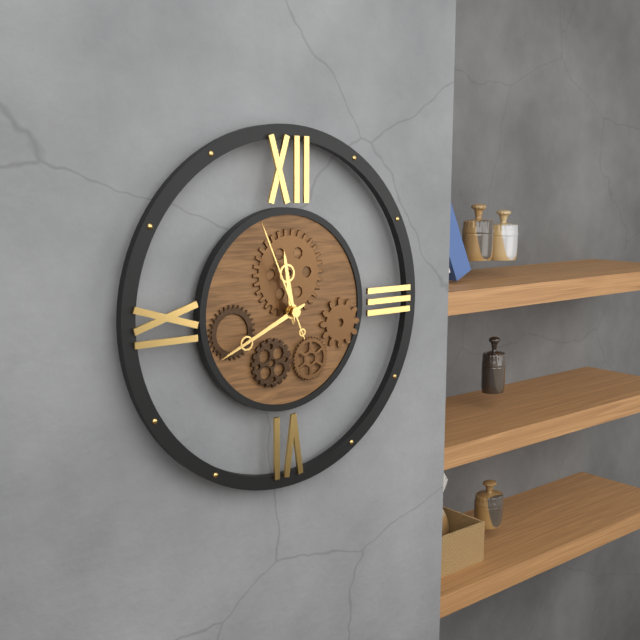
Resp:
h=11 m=41 s=56
